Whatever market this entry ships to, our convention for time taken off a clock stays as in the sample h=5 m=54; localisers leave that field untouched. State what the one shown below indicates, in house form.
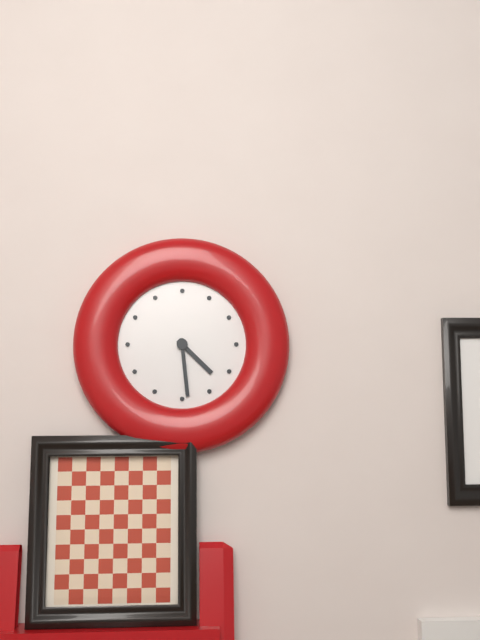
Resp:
h=4 m=29
